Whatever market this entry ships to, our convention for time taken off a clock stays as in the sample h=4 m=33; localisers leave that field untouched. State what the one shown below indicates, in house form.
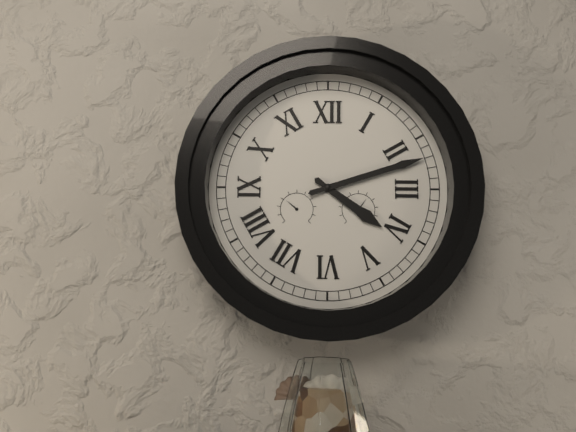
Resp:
h=4 m=12
